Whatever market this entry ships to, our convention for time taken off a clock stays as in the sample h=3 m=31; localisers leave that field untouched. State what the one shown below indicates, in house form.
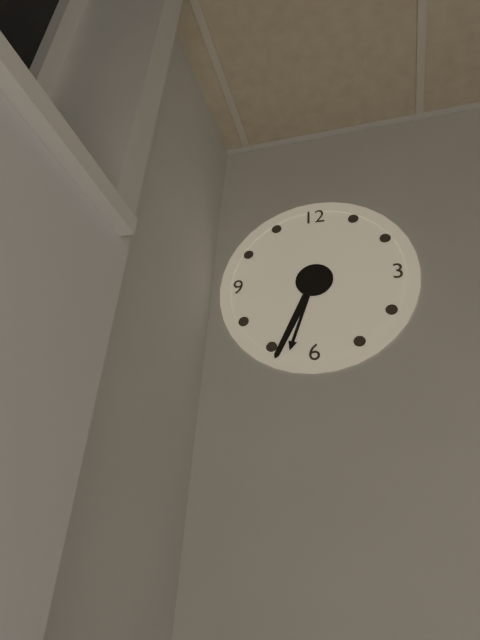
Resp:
h=6 m=34
